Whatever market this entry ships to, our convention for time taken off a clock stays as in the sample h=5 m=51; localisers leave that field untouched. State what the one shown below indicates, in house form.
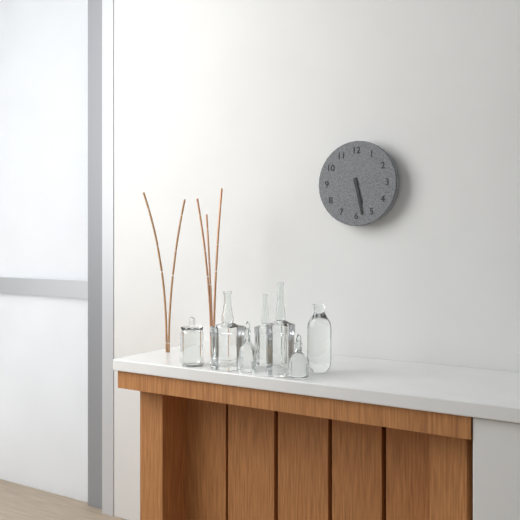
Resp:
h=5 m=28
